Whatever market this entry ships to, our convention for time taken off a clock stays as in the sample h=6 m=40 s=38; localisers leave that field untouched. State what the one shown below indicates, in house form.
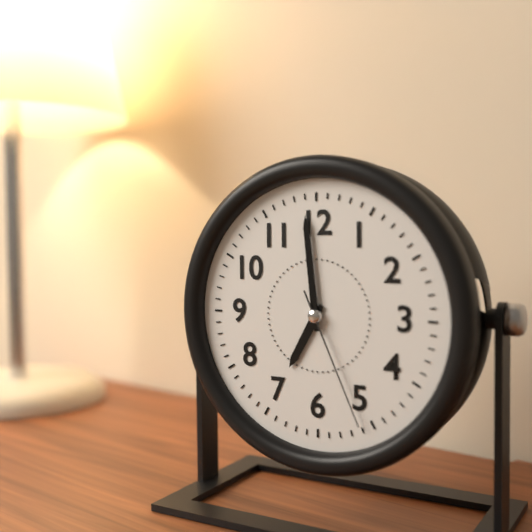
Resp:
h=6 m=59 s=26
